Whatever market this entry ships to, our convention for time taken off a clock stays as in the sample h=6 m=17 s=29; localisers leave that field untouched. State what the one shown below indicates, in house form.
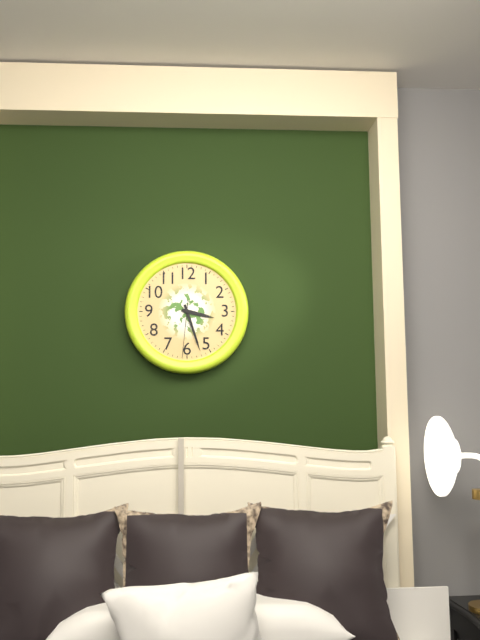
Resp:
h=3 m=27 s=31
